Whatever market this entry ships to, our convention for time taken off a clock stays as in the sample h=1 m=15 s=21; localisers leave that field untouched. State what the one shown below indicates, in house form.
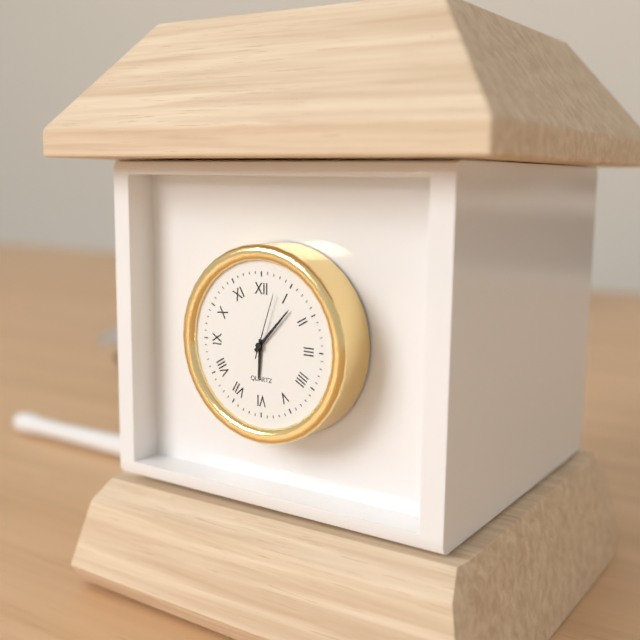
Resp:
h=6 m=7 s=3
